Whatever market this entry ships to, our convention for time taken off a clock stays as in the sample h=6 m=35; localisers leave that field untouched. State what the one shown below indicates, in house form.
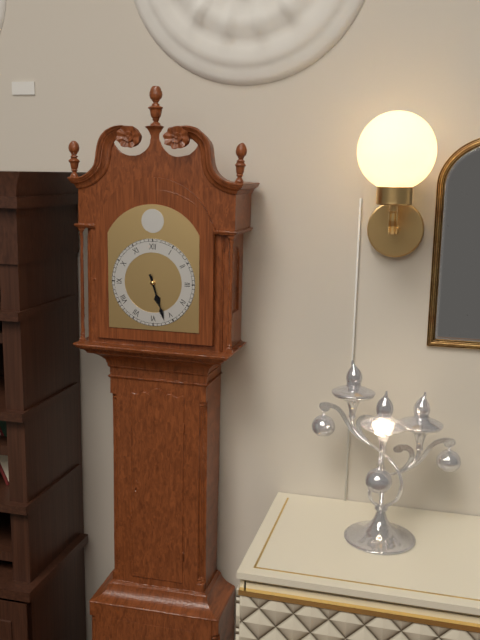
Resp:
h=5 m=27
